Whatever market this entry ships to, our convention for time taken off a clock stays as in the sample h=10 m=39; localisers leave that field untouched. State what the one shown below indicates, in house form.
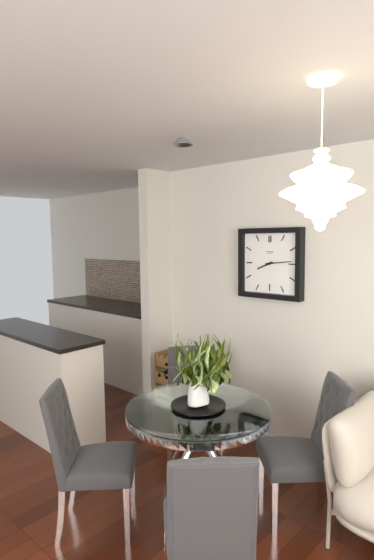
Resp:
h=8 m=14
